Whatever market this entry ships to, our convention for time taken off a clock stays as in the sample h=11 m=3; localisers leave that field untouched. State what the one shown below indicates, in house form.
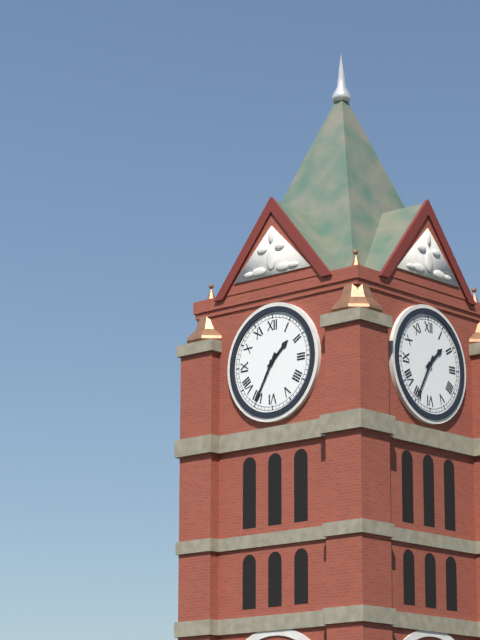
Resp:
h=1 m=35
